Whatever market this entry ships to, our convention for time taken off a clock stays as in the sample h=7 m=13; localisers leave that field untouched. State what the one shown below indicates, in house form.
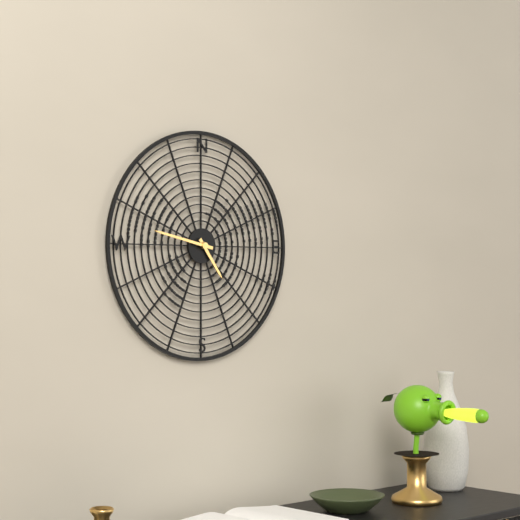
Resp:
h=4 m=47
